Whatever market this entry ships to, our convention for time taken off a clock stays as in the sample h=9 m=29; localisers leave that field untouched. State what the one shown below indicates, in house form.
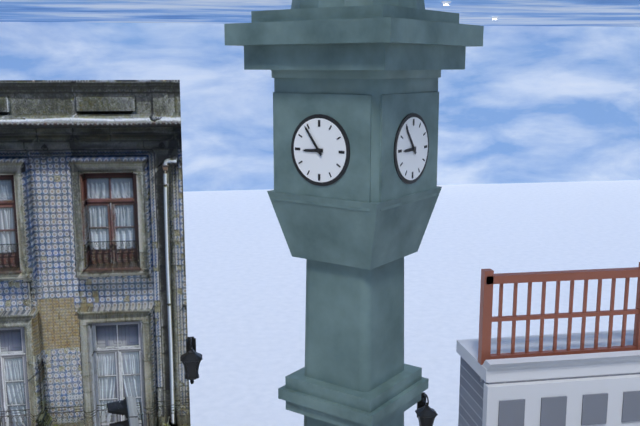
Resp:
h=8 m=54
